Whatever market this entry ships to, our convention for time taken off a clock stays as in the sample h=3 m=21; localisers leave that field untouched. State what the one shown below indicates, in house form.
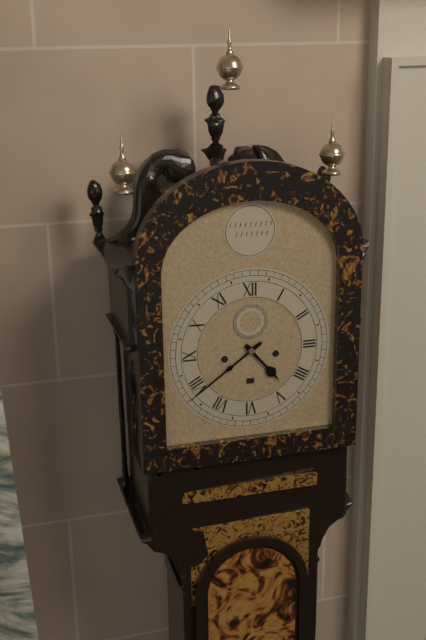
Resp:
h=4 m=39
